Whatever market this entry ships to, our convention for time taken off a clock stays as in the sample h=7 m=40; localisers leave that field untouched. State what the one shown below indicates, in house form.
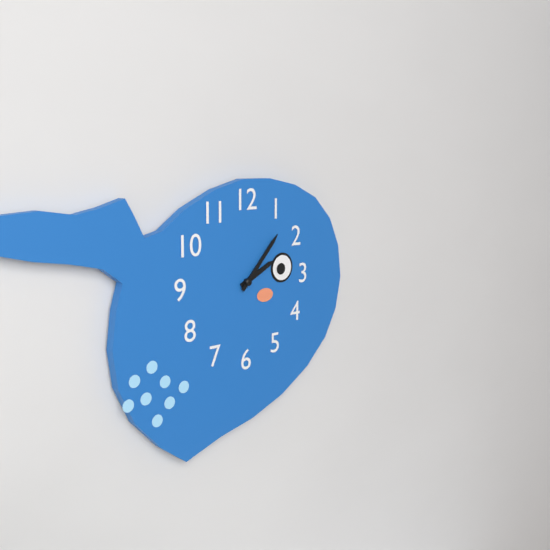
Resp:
h=2 m=7
